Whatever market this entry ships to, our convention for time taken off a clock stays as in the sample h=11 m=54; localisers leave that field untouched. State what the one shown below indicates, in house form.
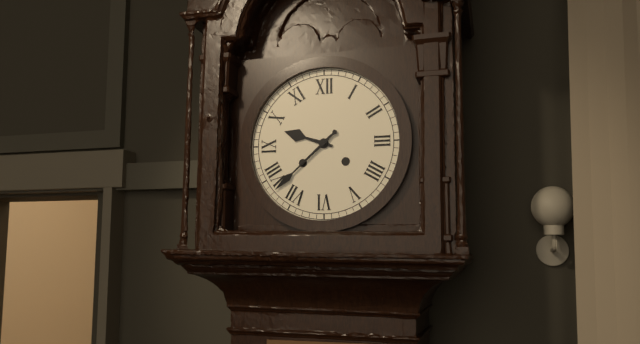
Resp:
h=9 m=38
